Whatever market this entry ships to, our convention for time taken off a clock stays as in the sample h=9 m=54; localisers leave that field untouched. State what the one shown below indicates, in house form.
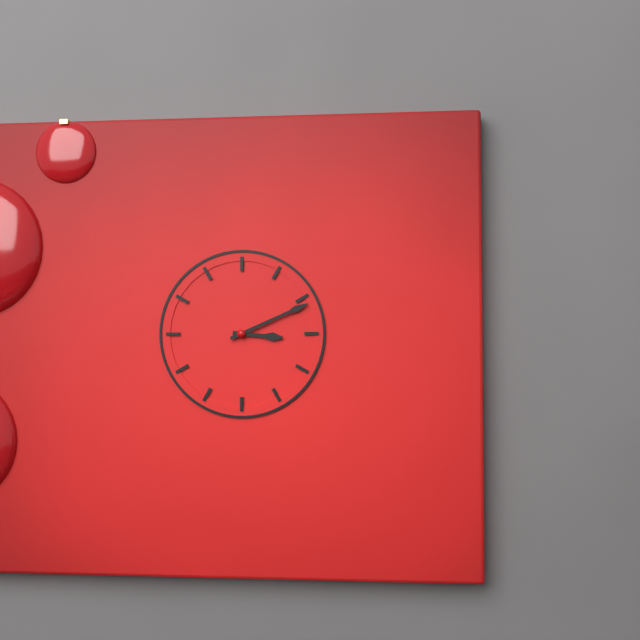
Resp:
h=3 m=11
